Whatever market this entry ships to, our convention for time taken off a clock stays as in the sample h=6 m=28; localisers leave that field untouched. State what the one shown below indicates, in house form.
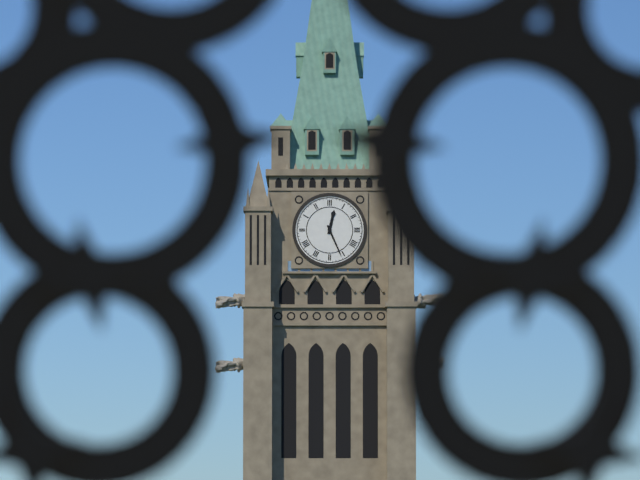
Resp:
h=12 m=26
